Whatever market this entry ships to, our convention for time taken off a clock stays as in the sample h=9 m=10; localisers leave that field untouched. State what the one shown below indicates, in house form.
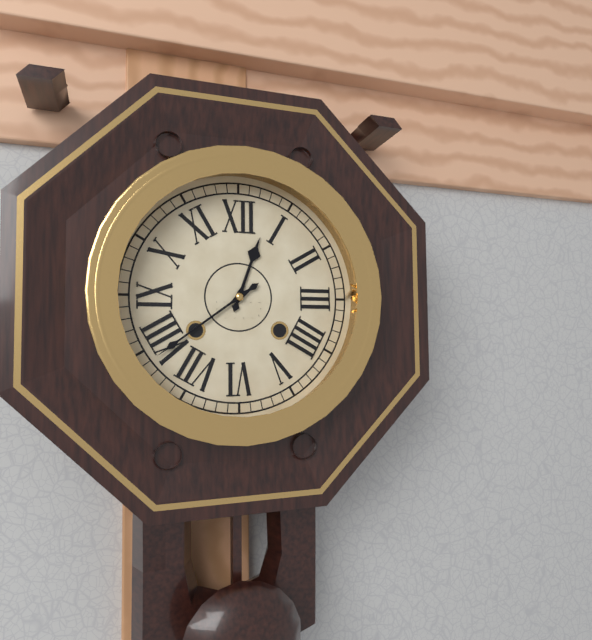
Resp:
h=12 m=39
